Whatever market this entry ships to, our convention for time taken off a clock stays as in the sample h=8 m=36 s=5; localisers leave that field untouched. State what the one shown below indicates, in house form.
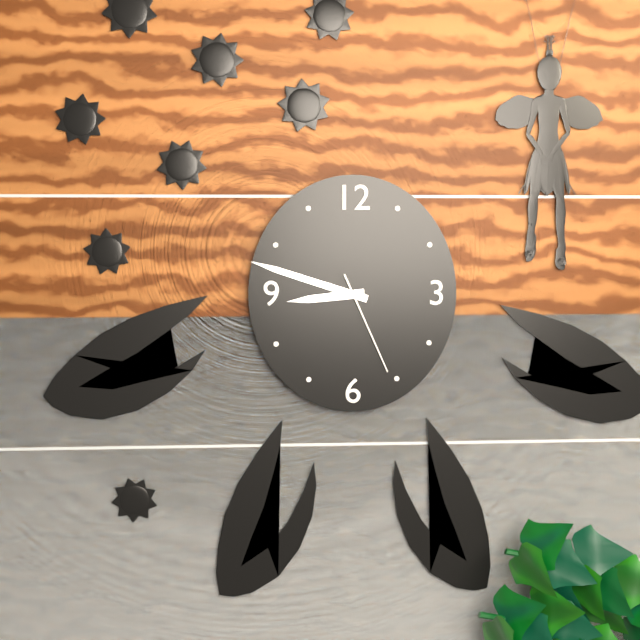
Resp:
h=8 m=48 s=26
